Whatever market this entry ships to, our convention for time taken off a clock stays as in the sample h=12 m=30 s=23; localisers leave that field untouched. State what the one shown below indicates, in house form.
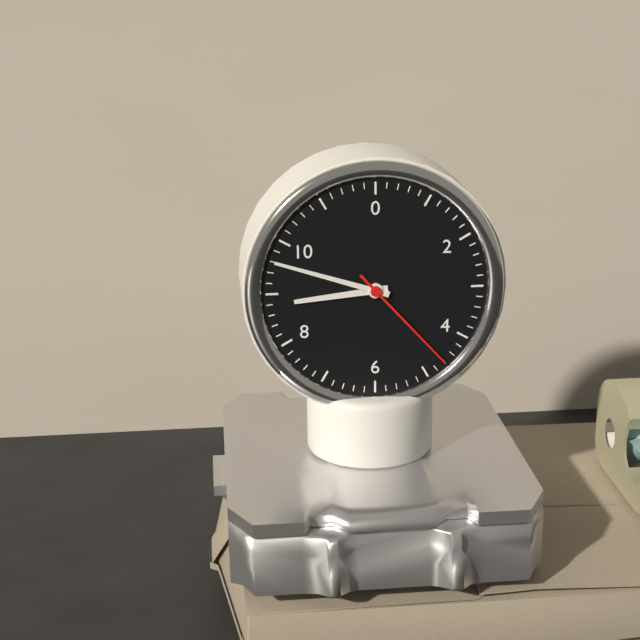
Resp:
h=8 m=48 s=23
